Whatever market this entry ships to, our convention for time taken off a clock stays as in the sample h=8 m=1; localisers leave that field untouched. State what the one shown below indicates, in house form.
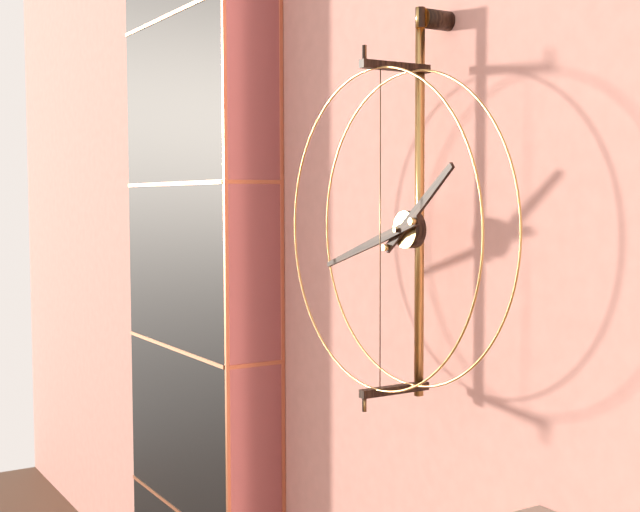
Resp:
h=1 m=42
